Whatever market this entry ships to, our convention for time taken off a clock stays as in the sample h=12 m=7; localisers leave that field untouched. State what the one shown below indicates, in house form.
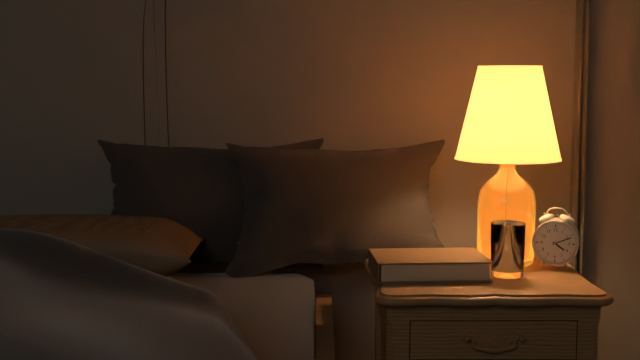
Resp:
h=4 m=11
